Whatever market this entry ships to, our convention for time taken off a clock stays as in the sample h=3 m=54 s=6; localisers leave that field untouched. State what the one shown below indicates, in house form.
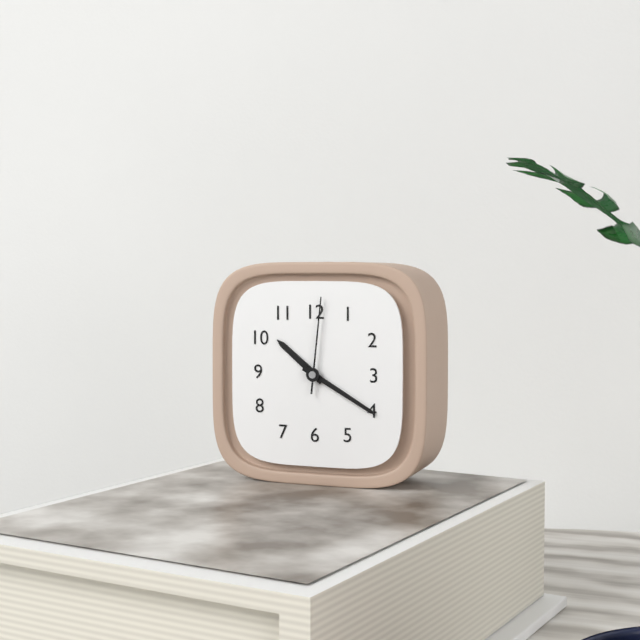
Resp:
h=10 m=20 s=1
